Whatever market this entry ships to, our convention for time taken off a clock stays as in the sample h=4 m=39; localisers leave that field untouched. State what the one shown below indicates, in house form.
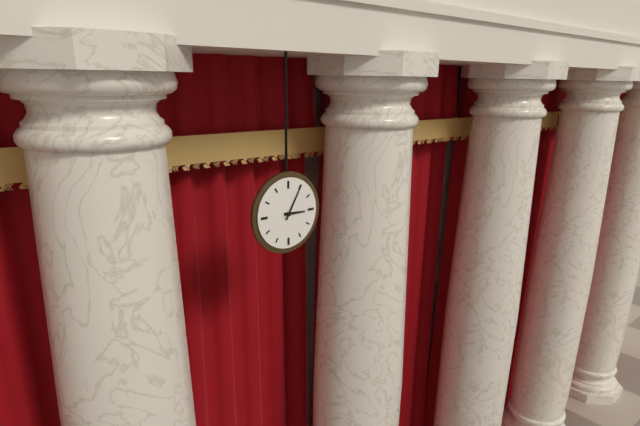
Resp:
h=3 m=5
